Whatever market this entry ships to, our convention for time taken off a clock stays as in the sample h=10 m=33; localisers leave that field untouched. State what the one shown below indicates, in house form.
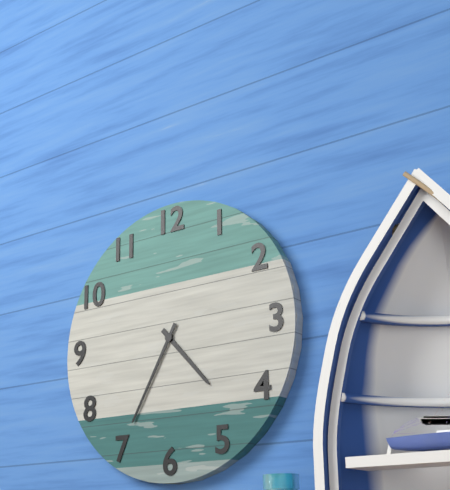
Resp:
h=4 m=35
